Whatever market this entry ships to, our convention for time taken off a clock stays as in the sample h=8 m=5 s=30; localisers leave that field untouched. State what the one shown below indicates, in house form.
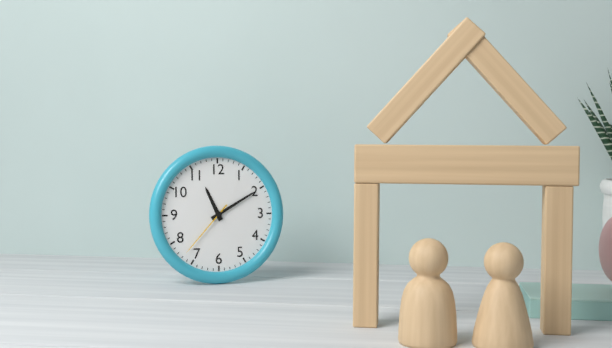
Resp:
h=11 m=10 s=37
